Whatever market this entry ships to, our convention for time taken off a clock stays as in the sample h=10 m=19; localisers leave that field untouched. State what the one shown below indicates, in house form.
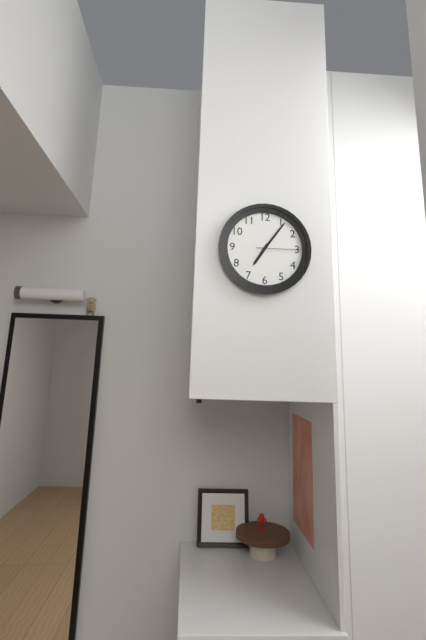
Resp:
h=7 m=6
